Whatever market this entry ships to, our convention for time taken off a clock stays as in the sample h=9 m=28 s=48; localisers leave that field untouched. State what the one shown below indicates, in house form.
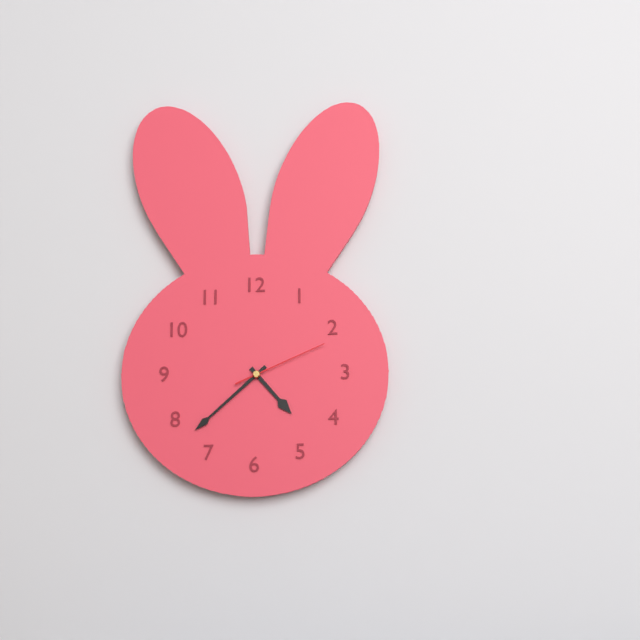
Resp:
h=4 m=38 s=11
